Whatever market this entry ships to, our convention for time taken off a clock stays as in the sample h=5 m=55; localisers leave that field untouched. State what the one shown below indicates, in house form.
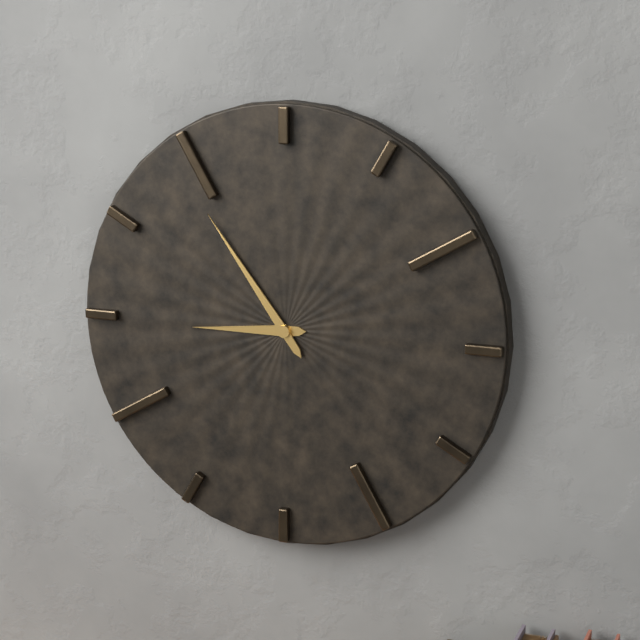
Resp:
h=8 m=54
